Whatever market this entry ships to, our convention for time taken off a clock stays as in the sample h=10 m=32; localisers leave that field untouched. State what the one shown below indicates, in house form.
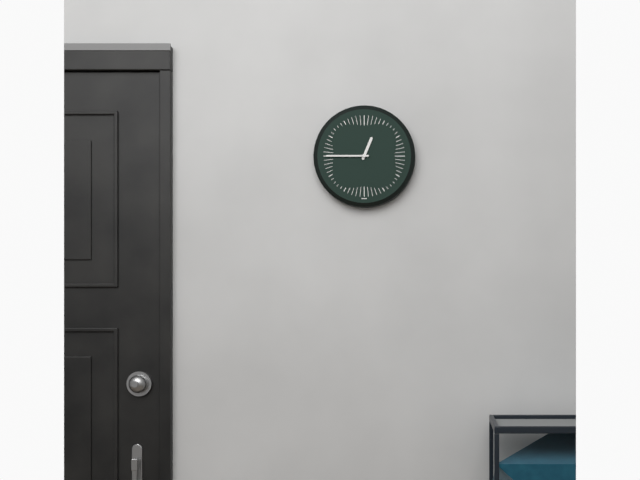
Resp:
h=12 m=45
